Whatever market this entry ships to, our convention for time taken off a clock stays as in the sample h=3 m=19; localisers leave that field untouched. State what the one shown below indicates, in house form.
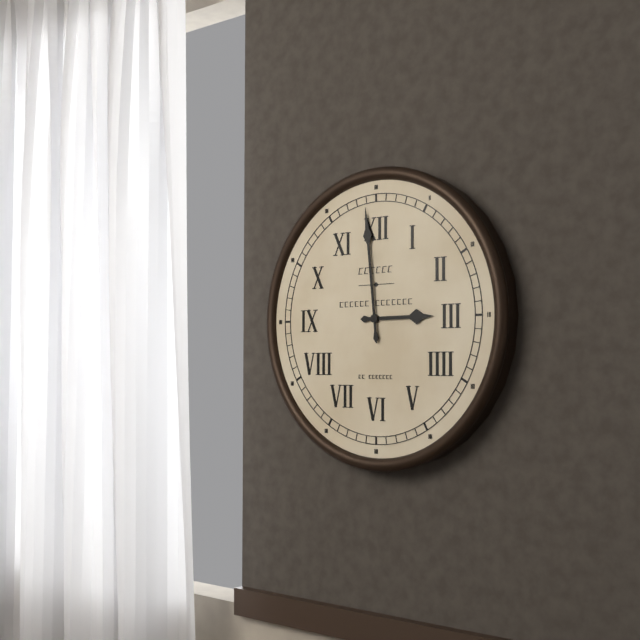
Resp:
h=2 m=59
